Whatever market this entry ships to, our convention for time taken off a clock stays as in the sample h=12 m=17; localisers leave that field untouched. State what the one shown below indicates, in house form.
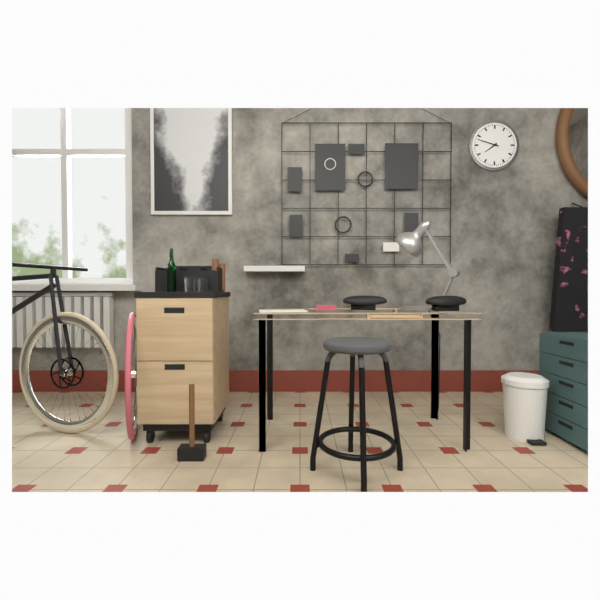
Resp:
h=7 m=48
